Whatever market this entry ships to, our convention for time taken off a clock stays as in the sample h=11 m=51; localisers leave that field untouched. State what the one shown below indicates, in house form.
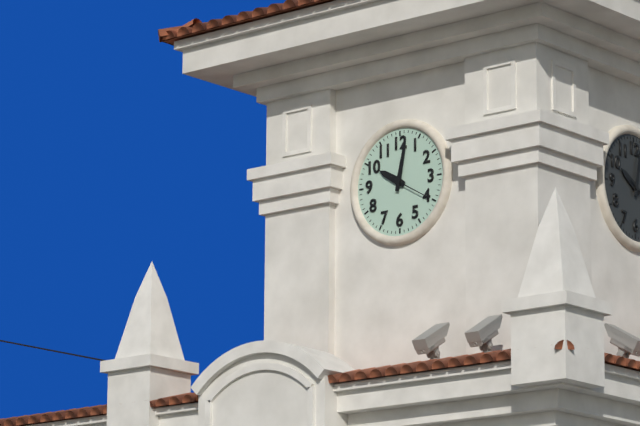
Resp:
h=10 m=2
